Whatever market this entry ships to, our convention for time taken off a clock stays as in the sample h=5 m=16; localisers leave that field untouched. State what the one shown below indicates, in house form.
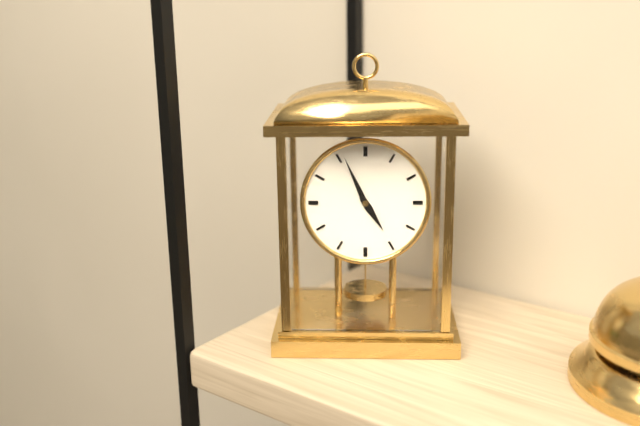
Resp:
h=4 m=56
